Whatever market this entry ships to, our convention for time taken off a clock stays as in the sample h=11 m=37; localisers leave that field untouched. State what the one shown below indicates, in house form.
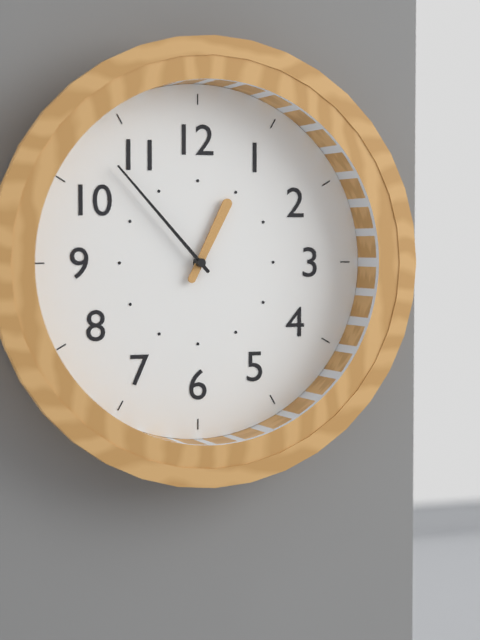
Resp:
h=12 m=53
